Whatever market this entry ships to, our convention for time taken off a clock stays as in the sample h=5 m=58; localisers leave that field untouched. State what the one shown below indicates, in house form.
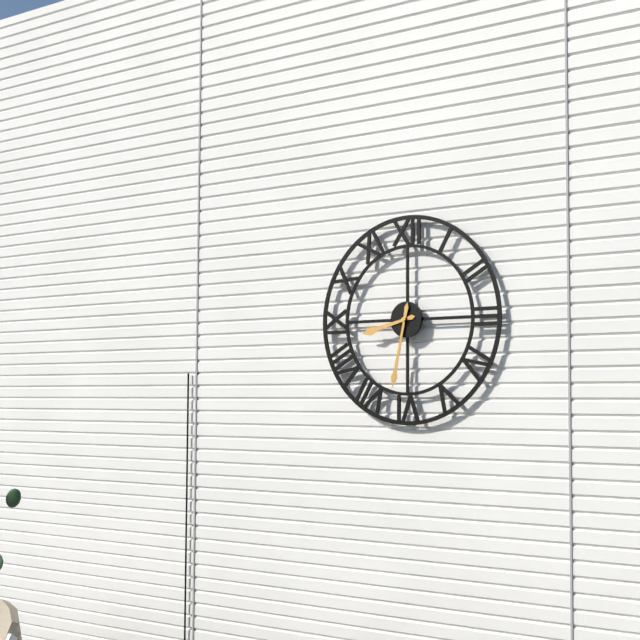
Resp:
h=8 m=32
